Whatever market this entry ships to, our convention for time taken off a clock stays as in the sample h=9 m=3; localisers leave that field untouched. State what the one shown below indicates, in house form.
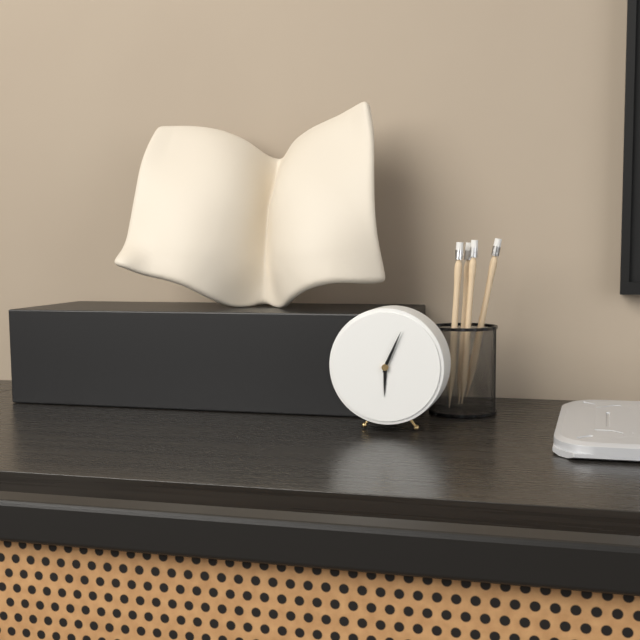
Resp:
h=6 m=4
